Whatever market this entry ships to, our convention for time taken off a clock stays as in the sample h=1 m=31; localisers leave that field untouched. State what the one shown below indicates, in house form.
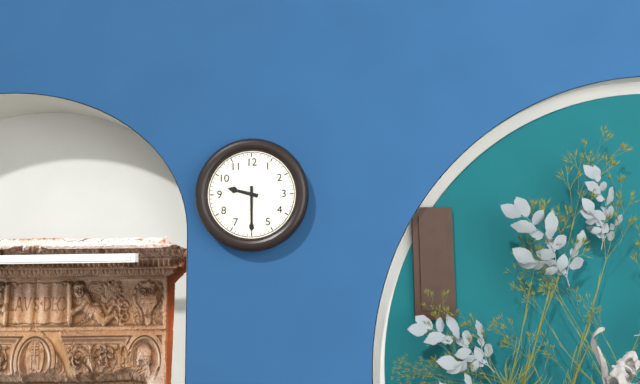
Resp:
h=9 m=30
